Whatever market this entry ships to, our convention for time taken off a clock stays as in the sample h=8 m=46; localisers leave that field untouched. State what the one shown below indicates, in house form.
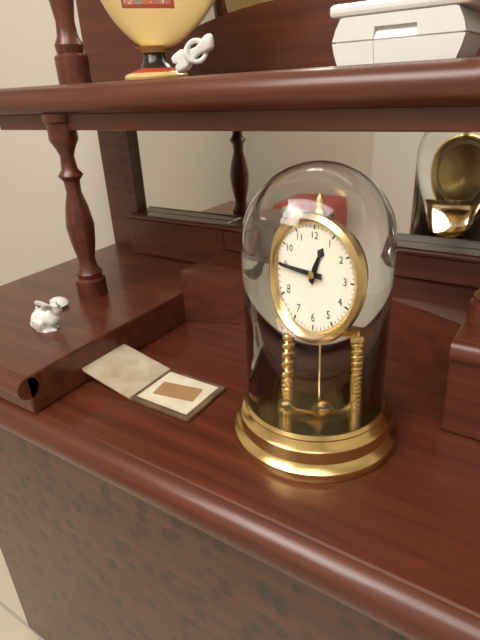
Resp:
h=12 m=45
